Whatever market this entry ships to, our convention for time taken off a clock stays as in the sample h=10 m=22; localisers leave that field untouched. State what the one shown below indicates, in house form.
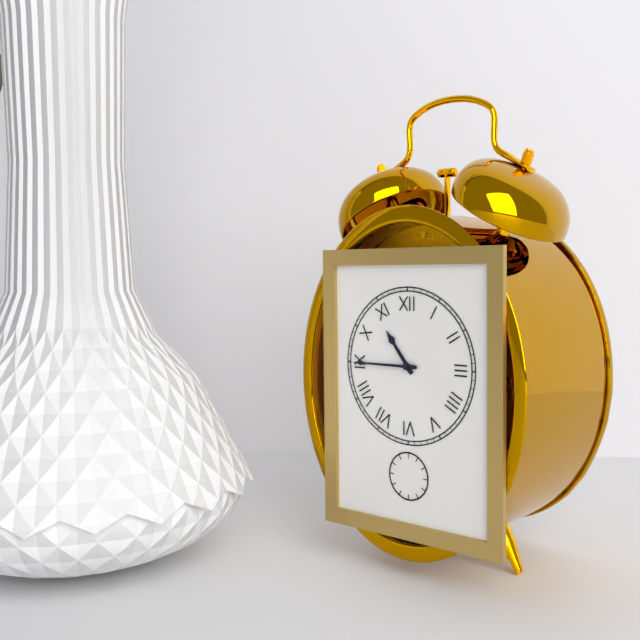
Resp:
h=10 m=45
